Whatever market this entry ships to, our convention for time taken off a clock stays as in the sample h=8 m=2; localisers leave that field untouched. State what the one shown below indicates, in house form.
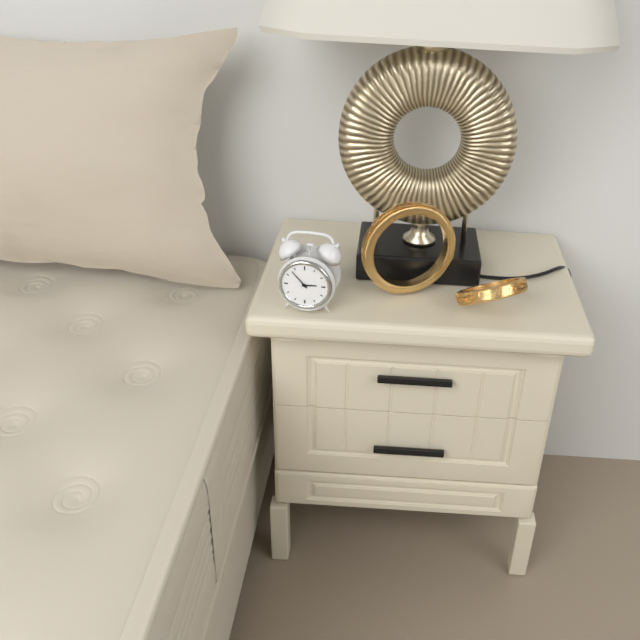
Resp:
h=2 m=53
